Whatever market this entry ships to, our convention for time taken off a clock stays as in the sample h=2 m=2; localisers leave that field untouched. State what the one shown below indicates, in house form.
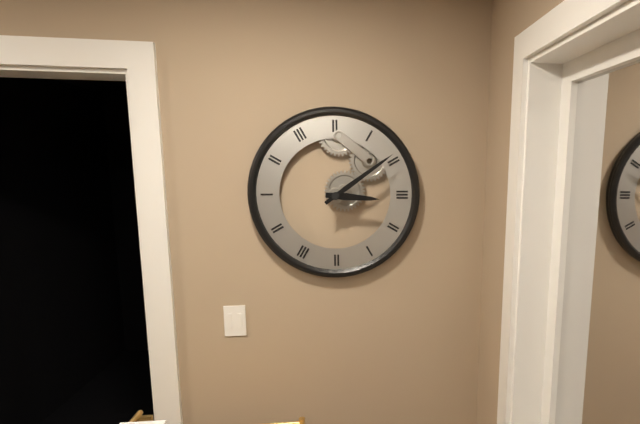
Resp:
h=3 m=9
